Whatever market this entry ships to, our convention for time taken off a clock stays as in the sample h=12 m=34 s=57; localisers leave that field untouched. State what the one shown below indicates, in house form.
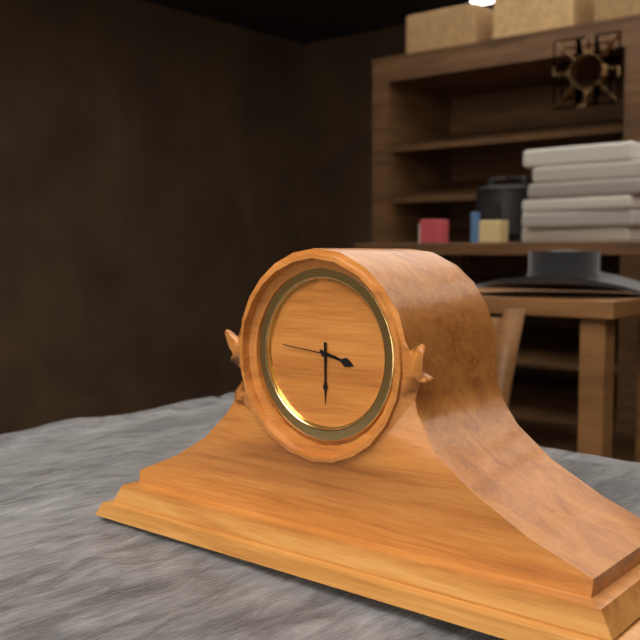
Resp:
h=3 m=30 s=46
